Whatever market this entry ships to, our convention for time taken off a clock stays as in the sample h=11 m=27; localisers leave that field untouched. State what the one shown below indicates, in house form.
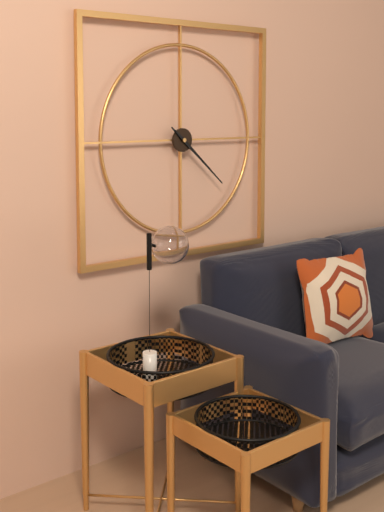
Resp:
h=4 m=22
